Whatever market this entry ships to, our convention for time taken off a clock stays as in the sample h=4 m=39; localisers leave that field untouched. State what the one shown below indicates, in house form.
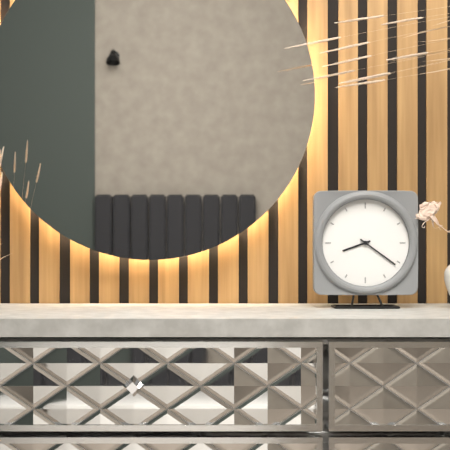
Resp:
h=8 m=21
